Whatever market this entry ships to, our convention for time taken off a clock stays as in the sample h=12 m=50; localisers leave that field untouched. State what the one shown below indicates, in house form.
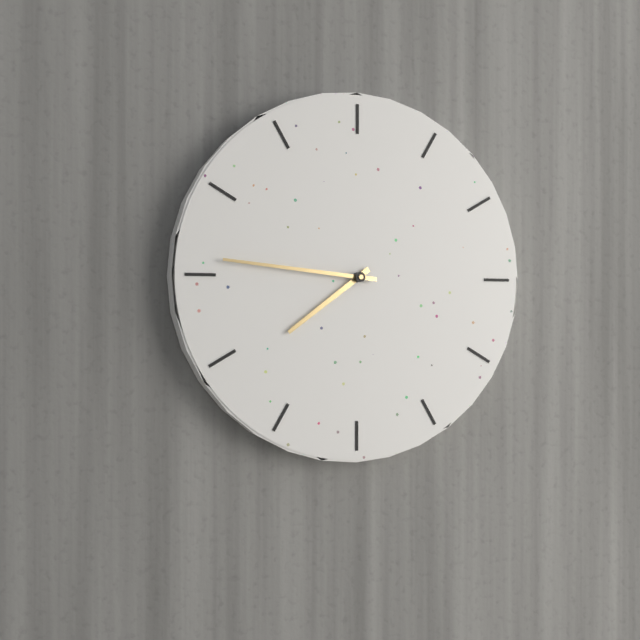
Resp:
h=7 m=46
